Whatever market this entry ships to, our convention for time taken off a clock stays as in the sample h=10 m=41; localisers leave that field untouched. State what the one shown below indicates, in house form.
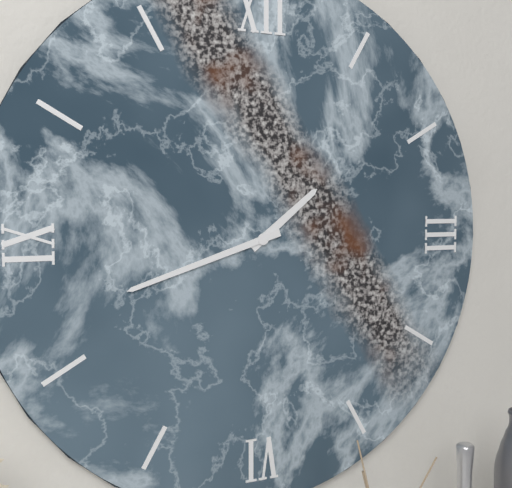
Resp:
h=1 m=42
